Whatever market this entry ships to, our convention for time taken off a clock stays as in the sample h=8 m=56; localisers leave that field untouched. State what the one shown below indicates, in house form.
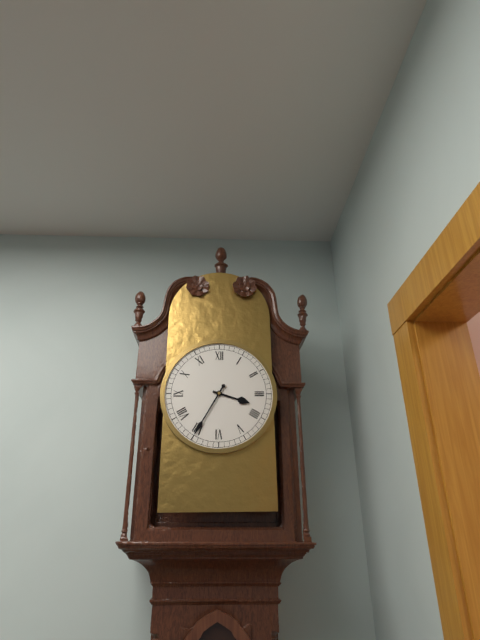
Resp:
h=3 m=35
